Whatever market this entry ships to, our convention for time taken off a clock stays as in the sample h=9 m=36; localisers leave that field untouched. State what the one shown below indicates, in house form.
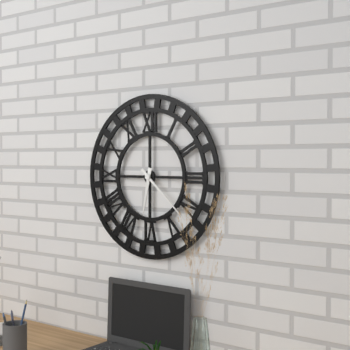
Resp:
h=6 m=22
